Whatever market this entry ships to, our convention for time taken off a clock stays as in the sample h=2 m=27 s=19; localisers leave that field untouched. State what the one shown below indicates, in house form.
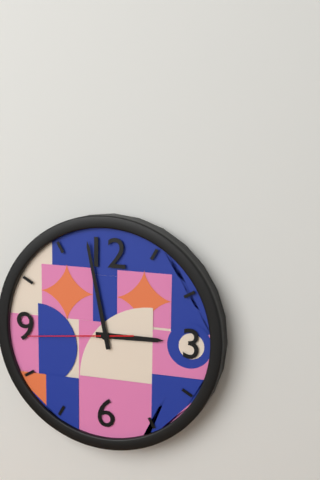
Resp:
h=2 m=58 s=44
